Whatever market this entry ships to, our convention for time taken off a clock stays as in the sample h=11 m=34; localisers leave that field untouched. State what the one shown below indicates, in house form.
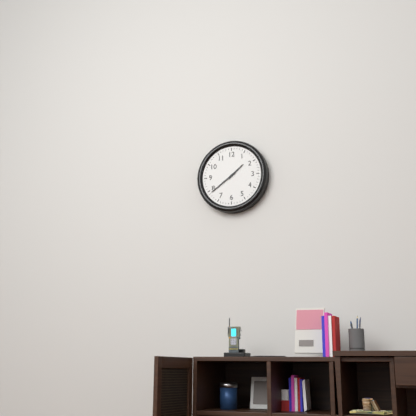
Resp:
h=1 m=39
